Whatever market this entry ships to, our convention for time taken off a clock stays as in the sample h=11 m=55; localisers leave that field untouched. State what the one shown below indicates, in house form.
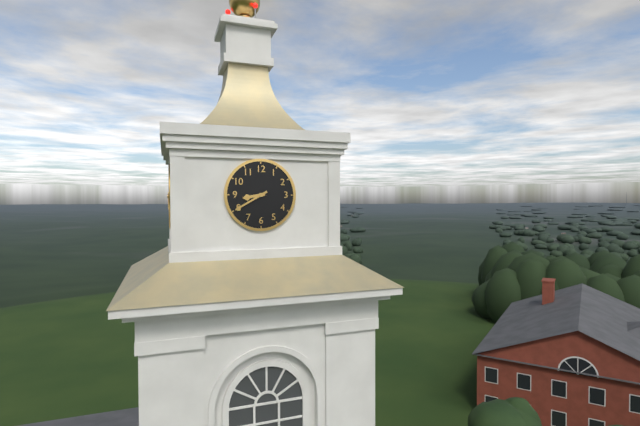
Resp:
h=8 m=40
